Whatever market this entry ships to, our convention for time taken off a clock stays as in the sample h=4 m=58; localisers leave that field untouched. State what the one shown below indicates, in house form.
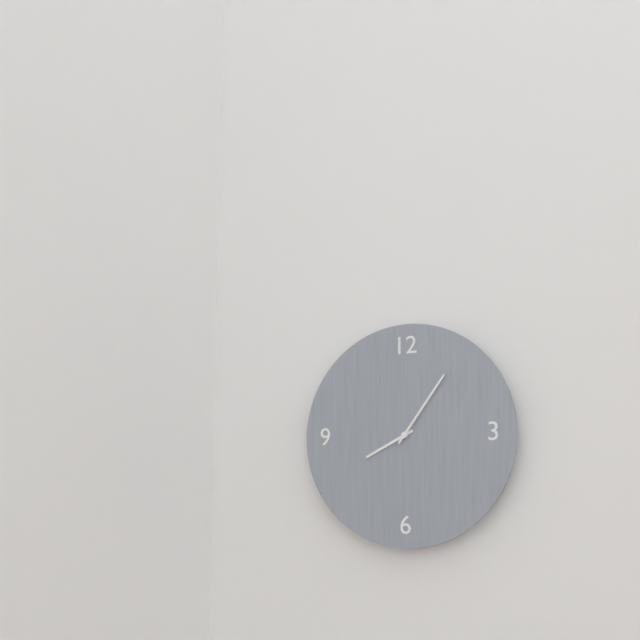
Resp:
h=8 m=6
